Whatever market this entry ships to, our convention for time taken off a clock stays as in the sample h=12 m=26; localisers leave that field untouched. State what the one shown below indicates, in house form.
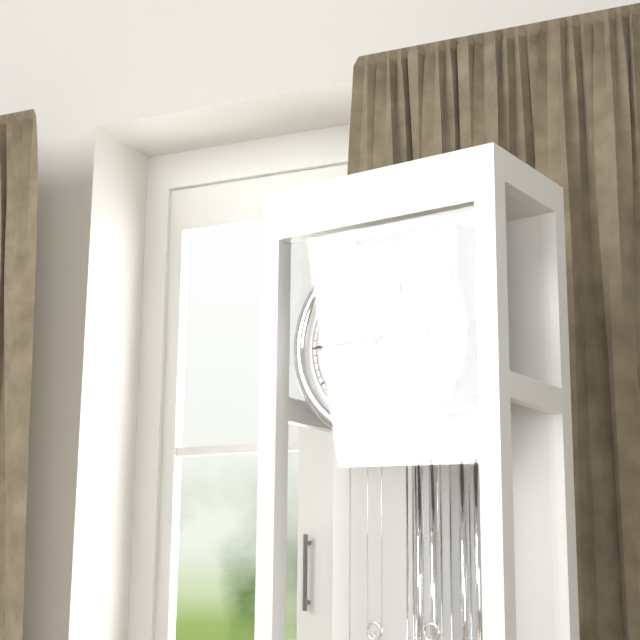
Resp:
h=8 m=45
